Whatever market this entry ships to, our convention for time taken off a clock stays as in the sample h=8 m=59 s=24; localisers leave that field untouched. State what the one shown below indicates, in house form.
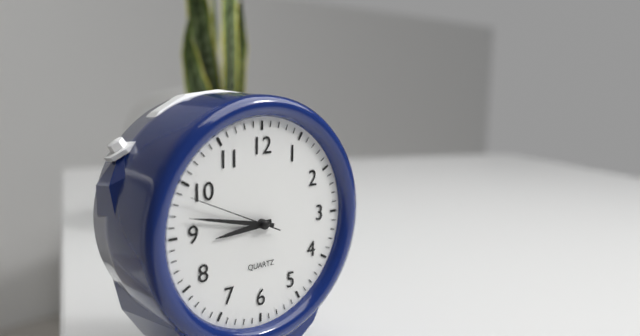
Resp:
h=8 m=47 s=49
